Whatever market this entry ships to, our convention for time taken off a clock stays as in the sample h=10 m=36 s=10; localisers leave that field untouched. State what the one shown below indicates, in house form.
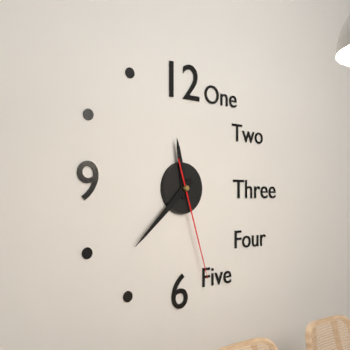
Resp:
h=11 m=38 s=27
